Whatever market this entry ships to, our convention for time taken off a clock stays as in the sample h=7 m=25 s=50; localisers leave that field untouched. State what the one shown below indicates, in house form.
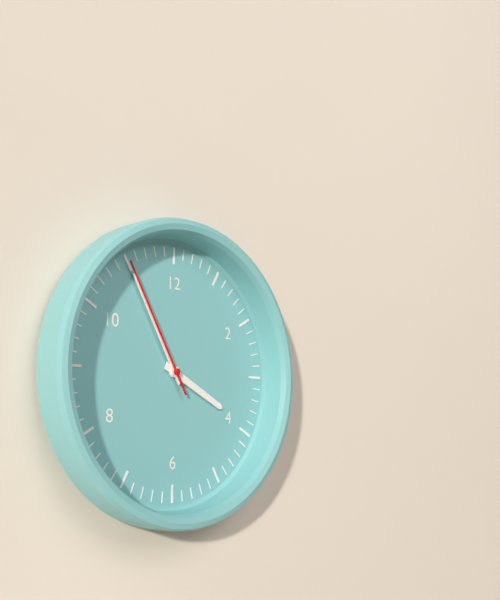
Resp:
h=3 m=55 s=55
